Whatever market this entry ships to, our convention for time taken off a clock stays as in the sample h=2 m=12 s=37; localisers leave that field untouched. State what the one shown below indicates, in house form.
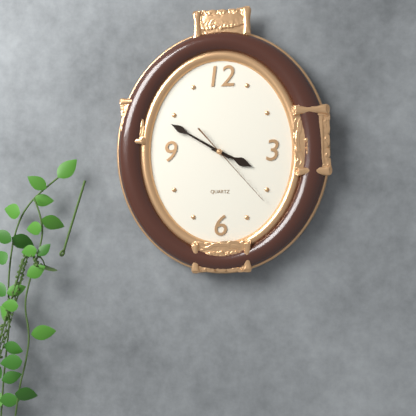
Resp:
h=3 m=50 s=23
